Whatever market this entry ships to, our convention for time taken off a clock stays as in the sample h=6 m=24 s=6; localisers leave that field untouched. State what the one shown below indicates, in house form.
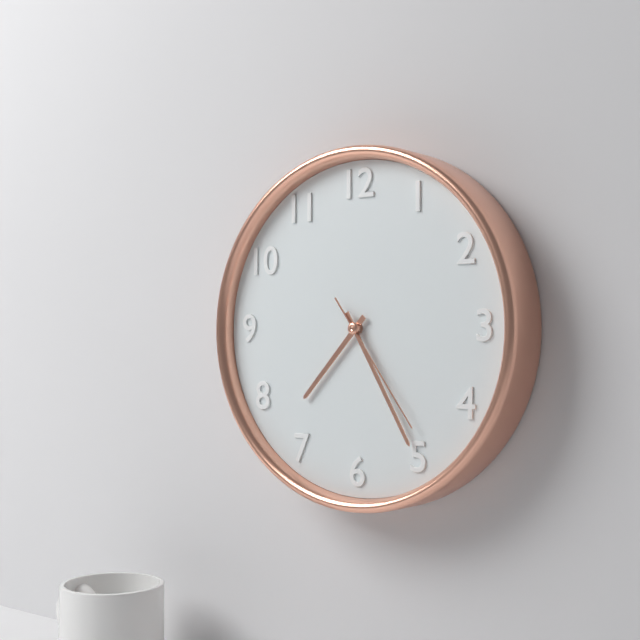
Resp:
h=7 m=25 s=24
